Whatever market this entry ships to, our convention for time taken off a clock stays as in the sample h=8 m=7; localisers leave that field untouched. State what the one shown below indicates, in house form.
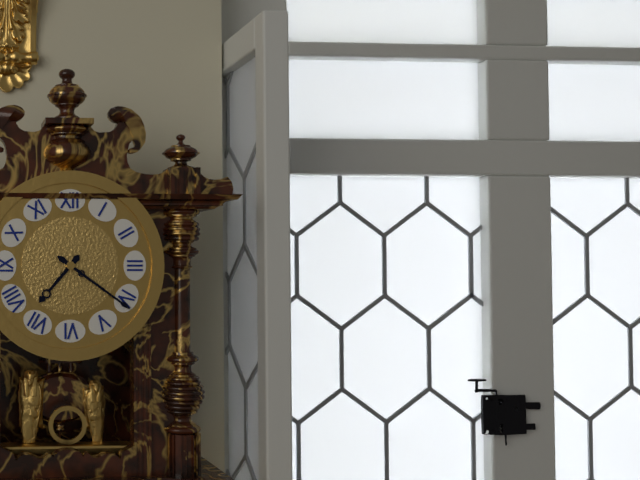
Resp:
h=7 m=21
